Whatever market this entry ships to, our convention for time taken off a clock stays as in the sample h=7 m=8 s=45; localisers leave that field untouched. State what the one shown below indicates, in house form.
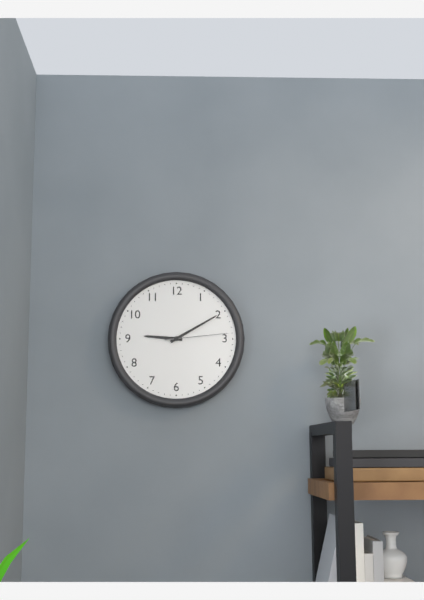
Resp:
h=9 m=10 s=14
